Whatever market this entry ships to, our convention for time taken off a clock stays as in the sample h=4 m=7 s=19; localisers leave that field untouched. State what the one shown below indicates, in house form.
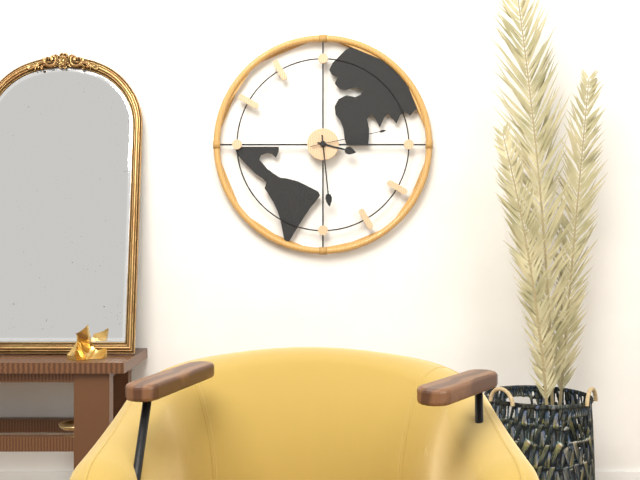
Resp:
h=3 m=29 s=13
